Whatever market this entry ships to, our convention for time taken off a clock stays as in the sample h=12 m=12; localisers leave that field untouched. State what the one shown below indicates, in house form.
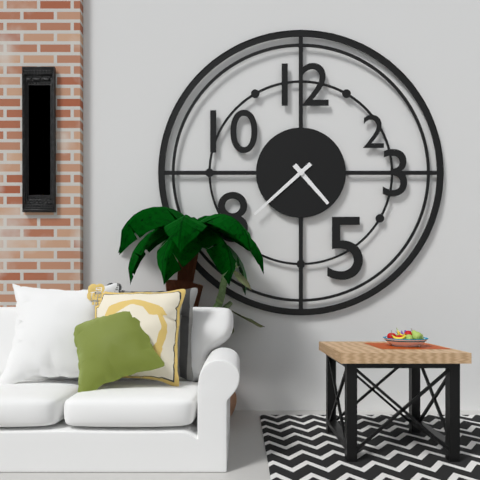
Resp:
h=4 m=38
